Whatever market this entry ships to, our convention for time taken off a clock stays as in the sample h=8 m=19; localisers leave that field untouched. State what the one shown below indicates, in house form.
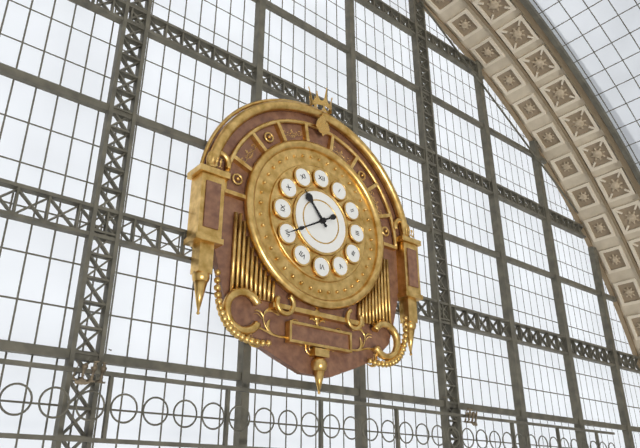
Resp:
h=10 m=40
